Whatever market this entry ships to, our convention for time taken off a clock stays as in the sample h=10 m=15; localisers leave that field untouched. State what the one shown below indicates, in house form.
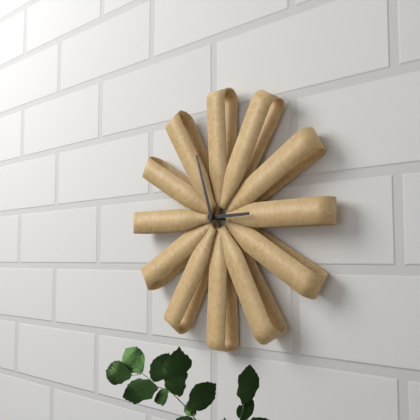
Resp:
h=2 m=57
